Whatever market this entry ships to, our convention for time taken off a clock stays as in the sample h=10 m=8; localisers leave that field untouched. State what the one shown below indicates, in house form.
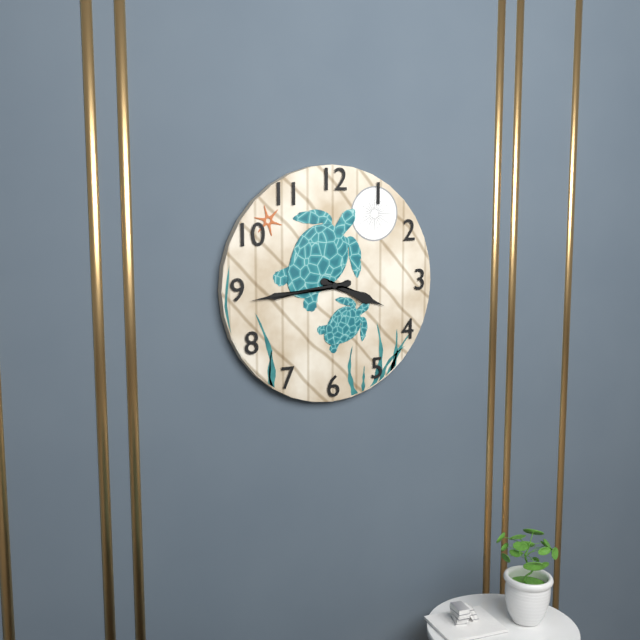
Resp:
h=3 m=44
